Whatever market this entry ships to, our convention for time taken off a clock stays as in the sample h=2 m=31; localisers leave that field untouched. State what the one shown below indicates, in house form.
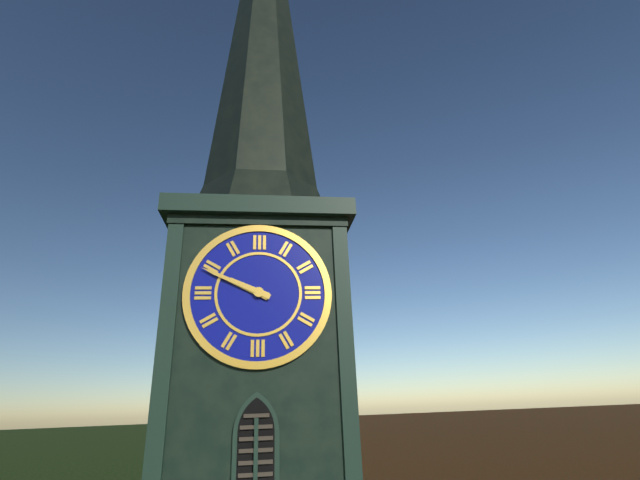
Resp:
h=9 m=49
